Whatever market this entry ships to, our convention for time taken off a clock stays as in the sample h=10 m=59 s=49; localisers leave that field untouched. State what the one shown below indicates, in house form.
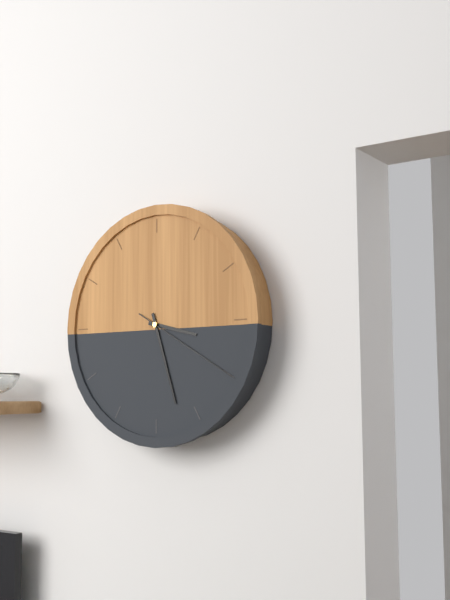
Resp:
h=3 m=27 s=20
